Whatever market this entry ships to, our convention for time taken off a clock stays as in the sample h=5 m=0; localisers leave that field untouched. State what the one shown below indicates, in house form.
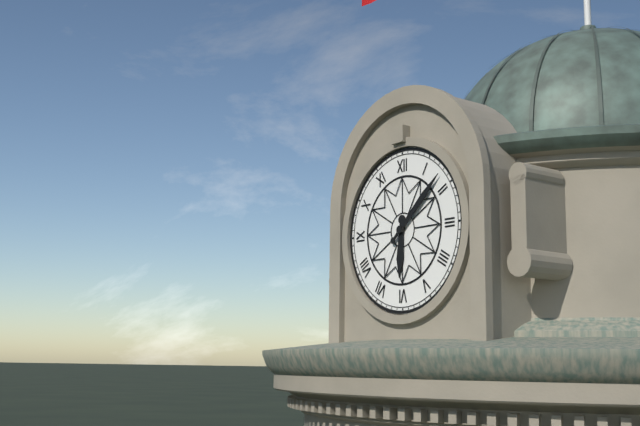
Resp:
h=6 m=8
